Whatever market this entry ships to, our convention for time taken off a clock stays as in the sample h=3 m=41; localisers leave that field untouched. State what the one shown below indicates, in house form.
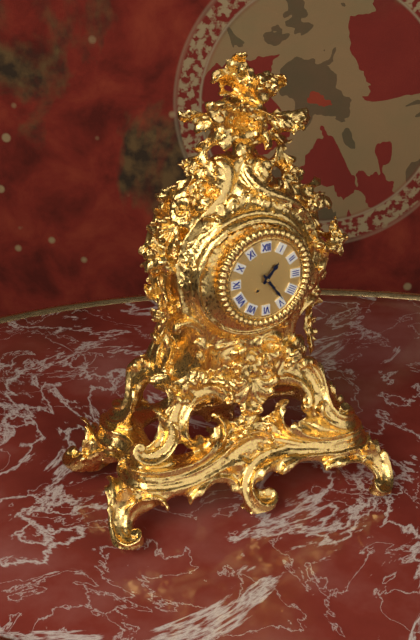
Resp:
h=1 m=24
